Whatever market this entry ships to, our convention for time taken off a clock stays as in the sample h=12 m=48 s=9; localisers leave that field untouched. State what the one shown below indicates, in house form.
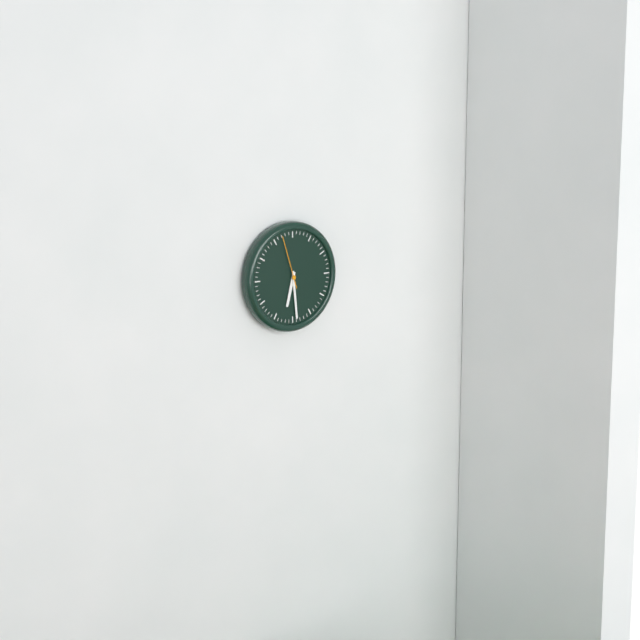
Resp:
h=6 m=29 s=57
